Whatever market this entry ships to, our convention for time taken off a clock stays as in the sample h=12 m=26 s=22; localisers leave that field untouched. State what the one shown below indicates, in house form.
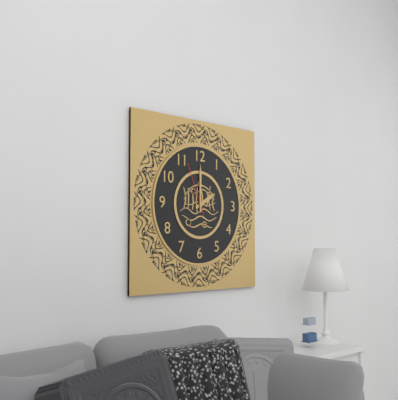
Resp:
h=2 m=0 s=56
